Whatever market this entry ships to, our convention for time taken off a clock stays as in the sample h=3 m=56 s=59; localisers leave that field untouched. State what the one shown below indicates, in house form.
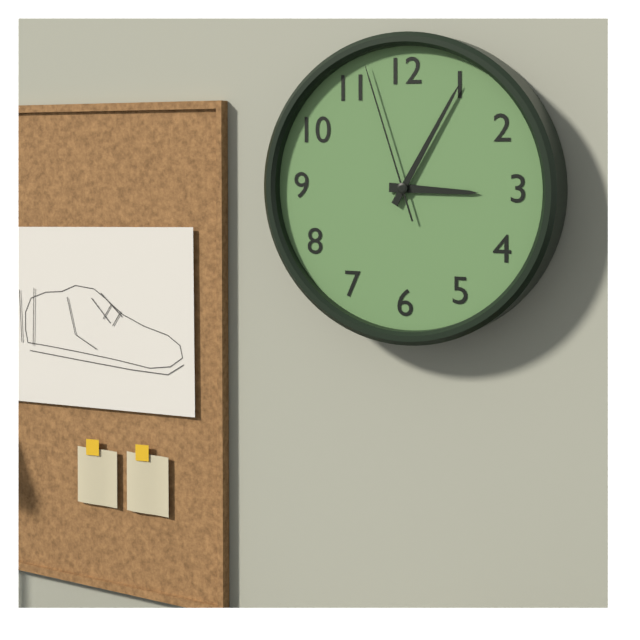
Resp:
h=3 m=5 s=57
